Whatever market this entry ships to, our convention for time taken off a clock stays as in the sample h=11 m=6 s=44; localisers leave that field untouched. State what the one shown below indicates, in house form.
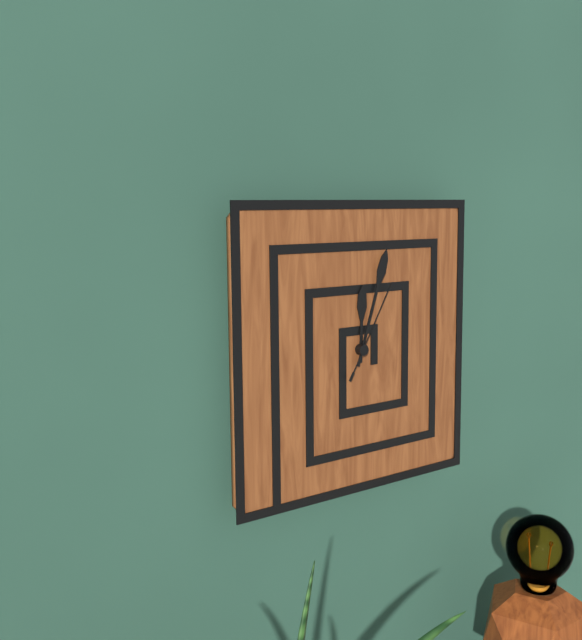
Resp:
h=12 m=3 s=5
